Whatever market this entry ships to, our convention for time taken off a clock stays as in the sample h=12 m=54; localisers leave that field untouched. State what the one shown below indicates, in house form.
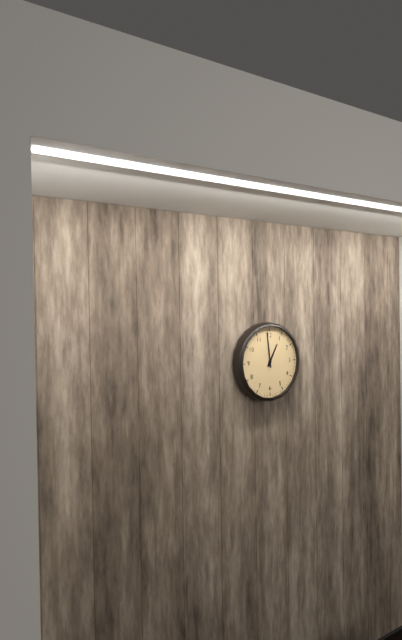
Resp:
h=12 m=59
